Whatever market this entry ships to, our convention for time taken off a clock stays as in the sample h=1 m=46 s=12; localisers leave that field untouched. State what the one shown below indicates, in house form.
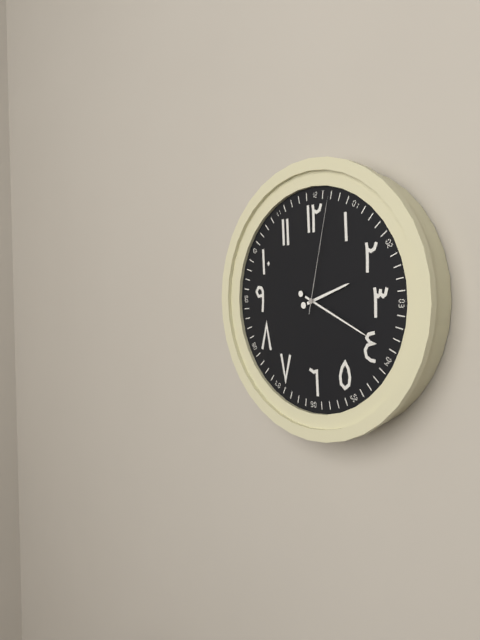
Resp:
h=2 m=19 s=2
